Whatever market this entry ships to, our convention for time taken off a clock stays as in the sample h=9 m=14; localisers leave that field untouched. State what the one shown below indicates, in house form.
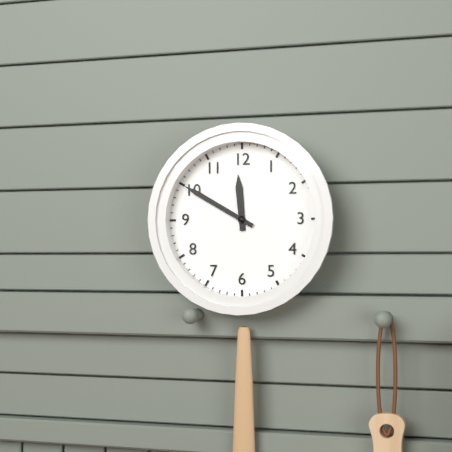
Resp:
h=11 m=50
